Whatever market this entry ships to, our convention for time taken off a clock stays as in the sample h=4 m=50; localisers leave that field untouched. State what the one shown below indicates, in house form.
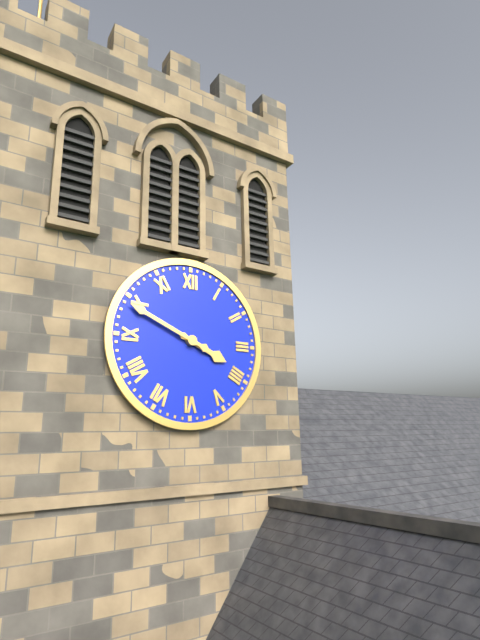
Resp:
h=3 m=49
